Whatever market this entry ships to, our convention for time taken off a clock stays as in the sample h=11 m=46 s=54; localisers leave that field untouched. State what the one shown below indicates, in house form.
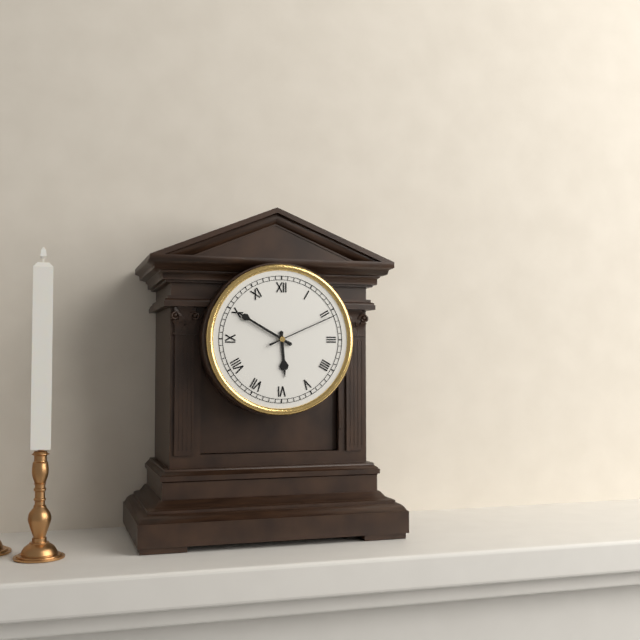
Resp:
h=5 m=50 s=11
